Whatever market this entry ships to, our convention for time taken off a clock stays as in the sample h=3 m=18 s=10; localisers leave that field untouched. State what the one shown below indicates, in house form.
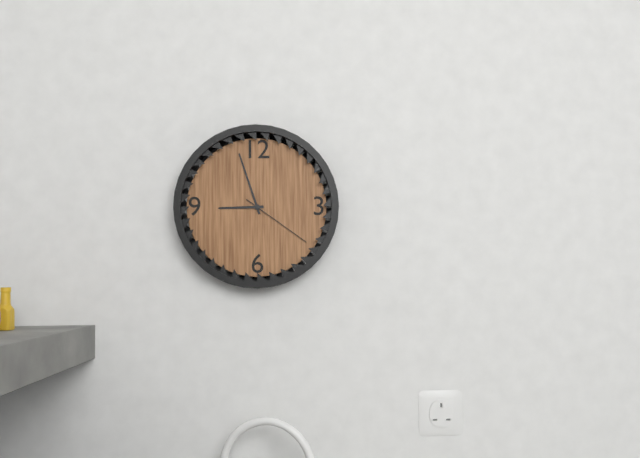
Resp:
h=8 m=57 s=21
